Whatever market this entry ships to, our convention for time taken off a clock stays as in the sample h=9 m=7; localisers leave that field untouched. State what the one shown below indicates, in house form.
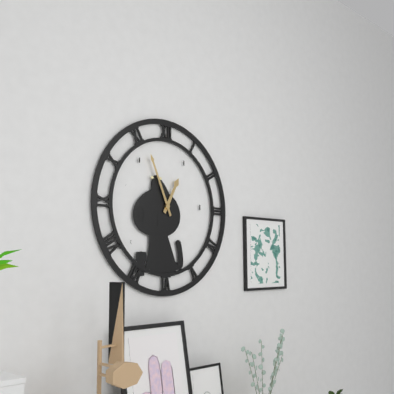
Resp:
h=12 m=56
